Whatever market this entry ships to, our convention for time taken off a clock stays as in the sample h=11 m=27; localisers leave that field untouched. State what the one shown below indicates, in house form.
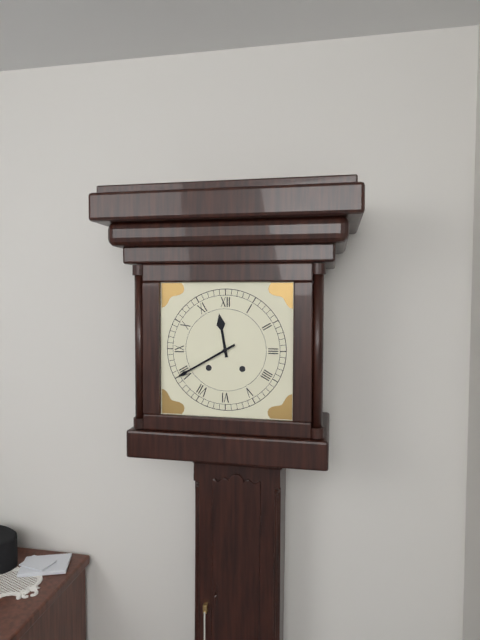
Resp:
h=11 m=40
